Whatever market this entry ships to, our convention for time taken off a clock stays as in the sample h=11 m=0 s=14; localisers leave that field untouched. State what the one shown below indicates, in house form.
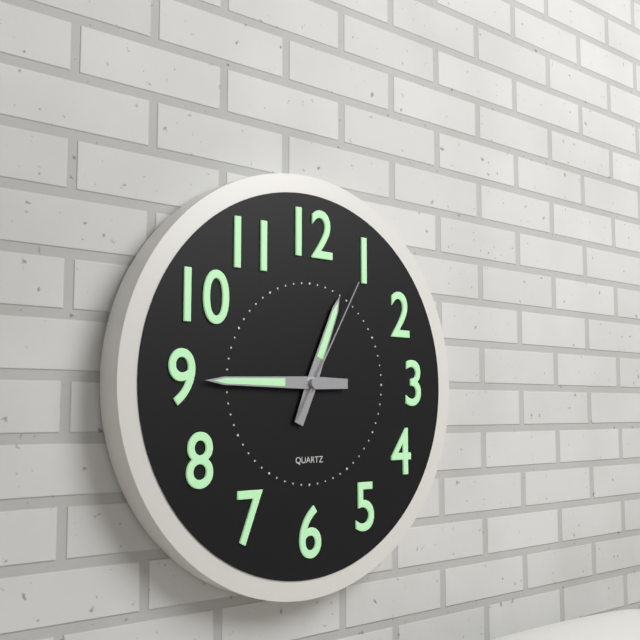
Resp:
h=12 m=45 s=5
